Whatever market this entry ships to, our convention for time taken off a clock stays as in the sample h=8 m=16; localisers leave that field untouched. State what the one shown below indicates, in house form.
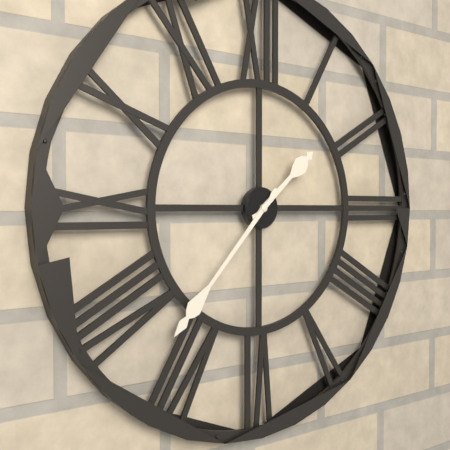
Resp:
h=1 m=37
